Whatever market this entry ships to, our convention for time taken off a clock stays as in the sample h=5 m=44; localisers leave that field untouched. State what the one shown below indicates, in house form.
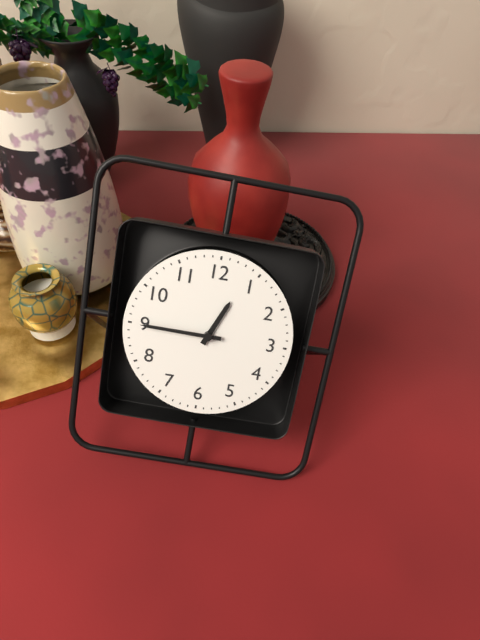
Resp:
h=12 m=45
